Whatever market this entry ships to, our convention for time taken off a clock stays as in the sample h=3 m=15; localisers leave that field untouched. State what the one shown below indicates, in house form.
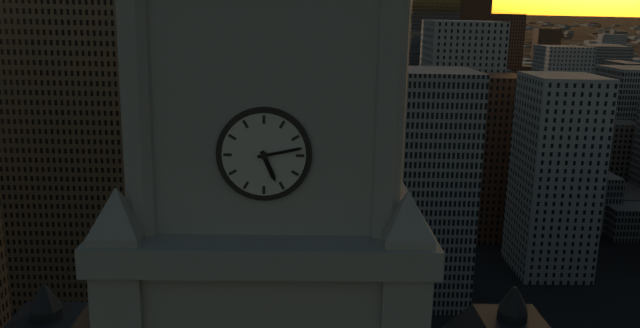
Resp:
h=5 m=13
